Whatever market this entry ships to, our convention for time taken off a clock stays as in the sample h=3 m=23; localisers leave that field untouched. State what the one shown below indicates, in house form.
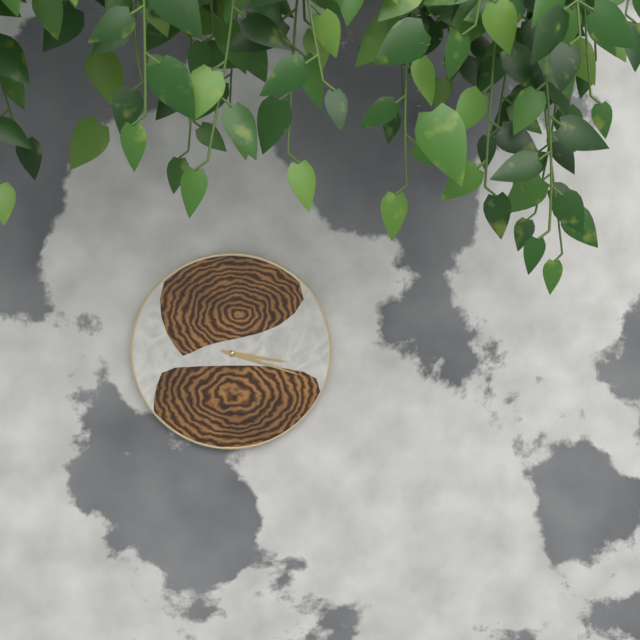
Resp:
h=3 m=18
